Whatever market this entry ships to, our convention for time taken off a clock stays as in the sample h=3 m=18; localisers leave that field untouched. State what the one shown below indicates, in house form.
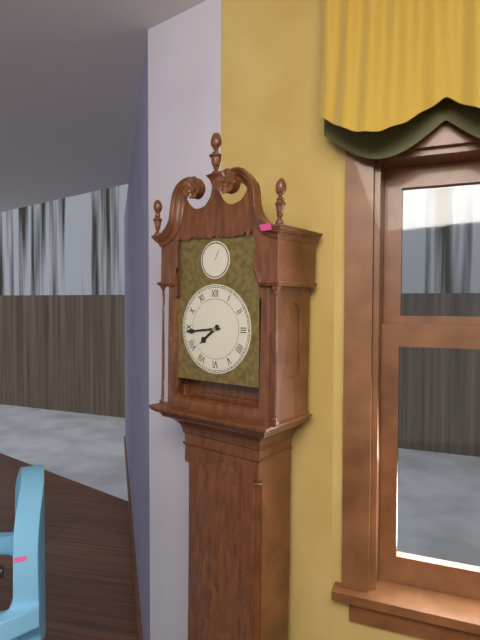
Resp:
h=7 m=44
